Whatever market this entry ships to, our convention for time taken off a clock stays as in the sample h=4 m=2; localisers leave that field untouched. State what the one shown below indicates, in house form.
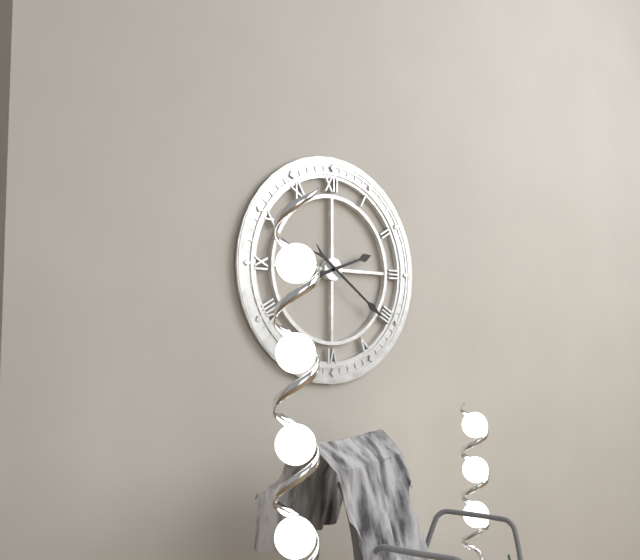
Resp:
h=2 m=21
